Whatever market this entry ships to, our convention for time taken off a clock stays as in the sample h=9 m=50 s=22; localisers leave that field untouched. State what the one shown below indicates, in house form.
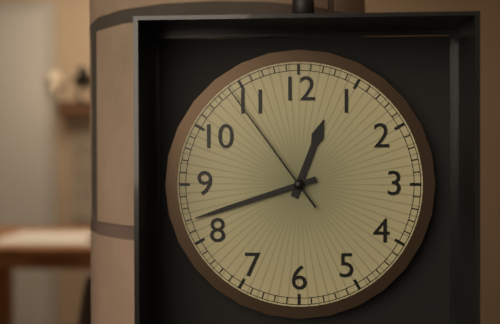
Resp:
h=12 m=42 s=54
